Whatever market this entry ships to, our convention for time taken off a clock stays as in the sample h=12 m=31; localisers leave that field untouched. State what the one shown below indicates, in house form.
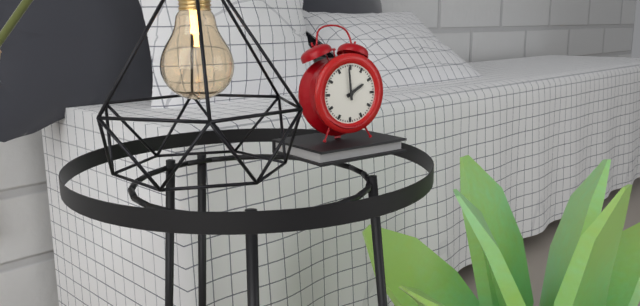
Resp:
h=1 m=59
